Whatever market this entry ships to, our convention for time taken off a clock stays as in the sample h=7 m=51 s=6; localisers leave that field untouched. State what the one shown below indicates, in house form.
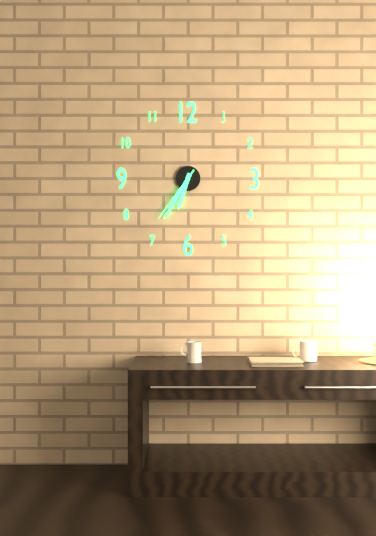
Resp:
h=6 m=35 s=36
